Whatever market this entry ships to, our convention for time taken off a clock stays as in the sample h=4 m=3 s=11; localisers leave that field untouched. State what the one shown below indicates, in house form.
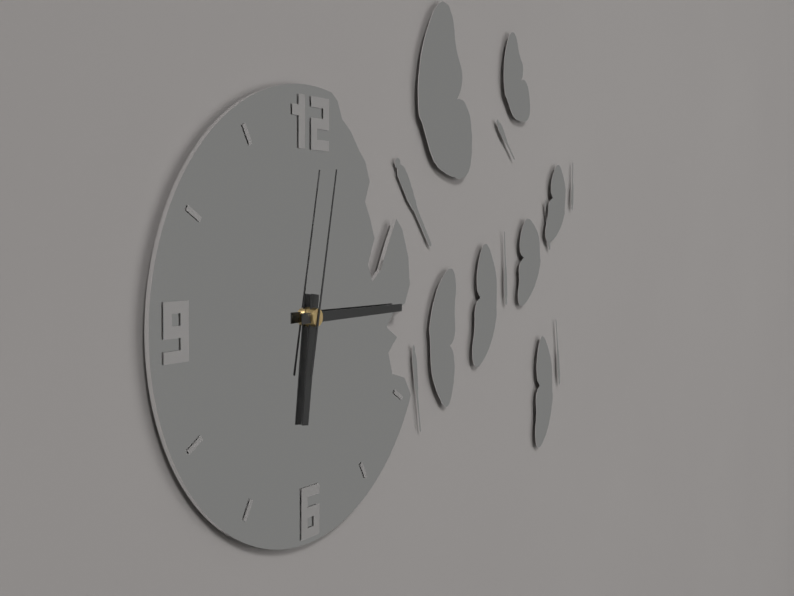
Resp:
h=6 m=15 s=2
